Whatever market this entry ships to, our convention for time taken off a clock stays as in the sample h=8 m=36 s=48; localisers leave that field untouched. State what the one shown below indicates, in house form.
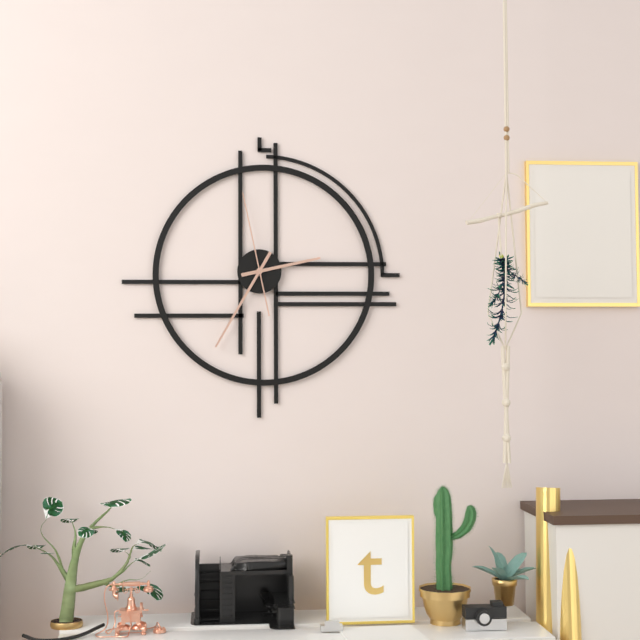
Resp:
h=2 m=35 s=58
